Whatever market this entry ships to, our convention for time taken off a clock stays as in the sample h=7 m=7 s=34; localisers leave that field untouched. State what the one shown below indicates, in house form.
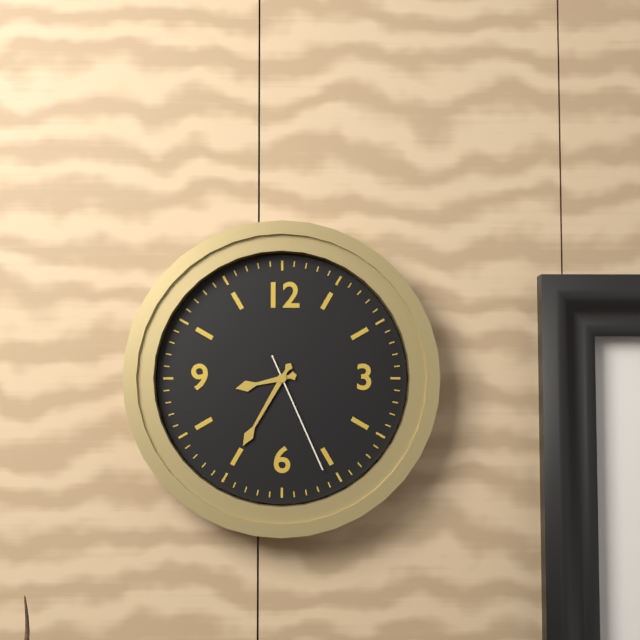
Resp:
h=8 m=35 s=26
